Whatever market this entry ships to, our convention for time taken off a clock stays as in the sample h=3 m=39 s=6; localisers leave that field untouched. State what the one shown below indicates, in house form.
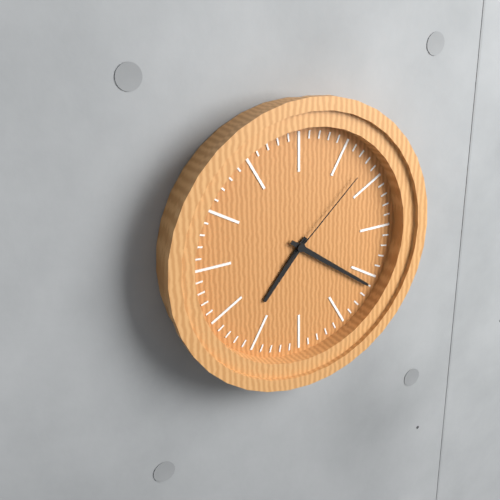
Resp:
h=7 m=21 s=8
